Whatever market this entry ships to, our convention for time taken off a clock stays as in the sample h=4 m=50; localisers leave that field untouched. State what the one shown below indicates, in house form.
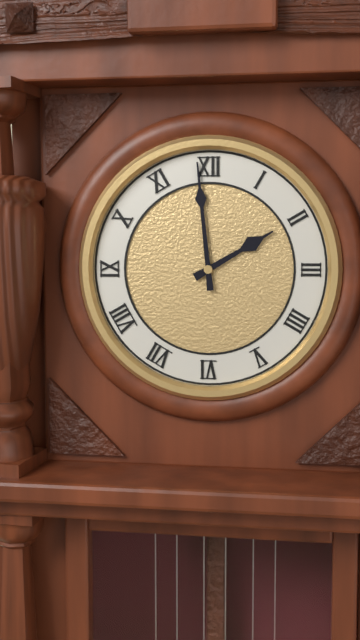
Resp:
h=1 m=59
